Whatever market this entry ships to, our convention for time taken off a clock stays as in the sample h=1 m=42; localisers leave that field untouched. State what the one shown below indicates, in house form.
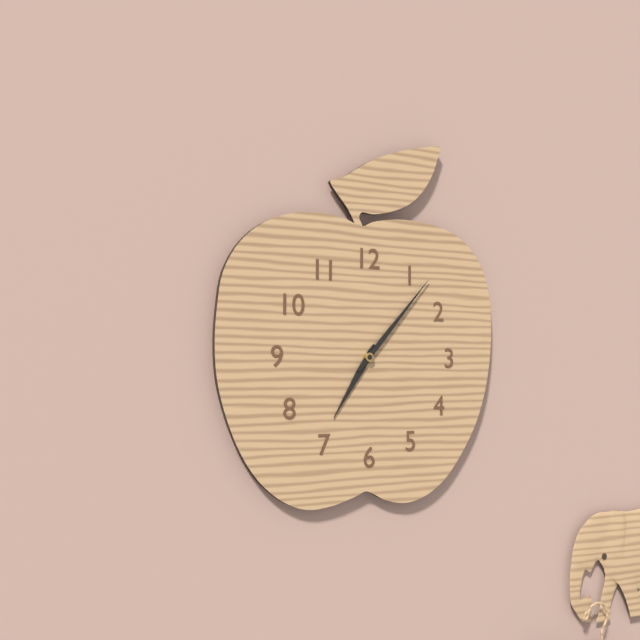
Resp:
h=7 m=7
